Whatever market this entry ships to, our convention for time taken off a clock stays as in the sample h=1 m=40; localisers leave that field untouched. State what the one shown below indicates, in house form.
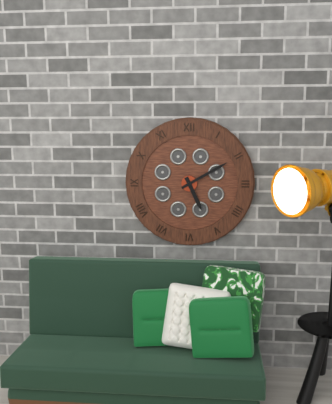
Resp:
h=5 m=10
